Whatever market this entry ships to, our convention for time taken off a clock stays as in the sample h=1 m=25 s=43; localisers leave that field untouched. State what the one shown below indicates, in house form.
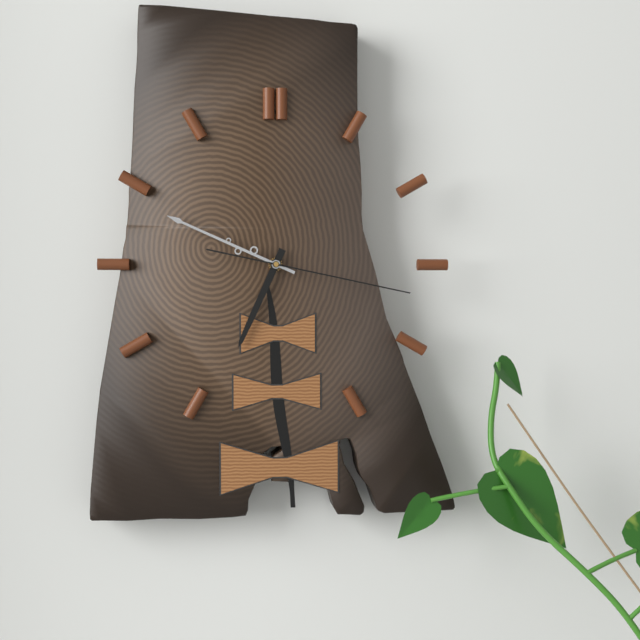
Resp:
h=6 m=49 s=17
